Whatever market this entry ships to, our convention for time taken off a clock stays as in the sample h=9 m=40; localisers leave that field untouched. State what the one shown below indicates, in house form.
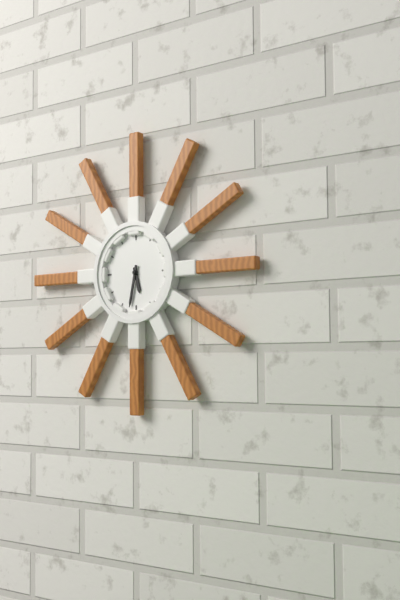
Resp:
h=5 m=32
